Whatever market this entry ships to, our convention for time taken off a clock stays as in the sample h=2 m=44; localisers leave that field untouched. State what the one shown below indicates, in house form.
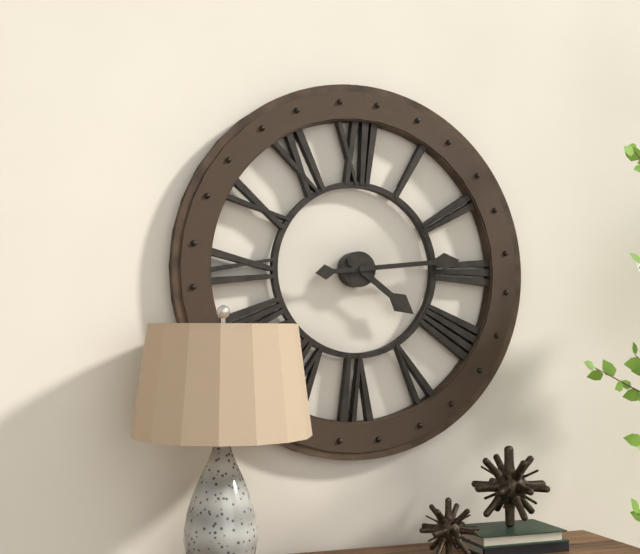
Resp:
h=4 m=14
